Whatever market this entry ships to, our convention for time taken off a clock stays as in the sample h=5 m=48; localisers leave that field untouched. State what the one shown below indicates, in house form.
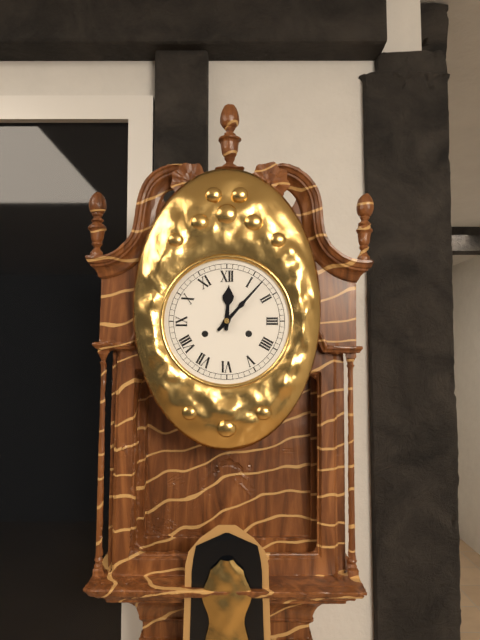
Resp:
h=12 m=7
